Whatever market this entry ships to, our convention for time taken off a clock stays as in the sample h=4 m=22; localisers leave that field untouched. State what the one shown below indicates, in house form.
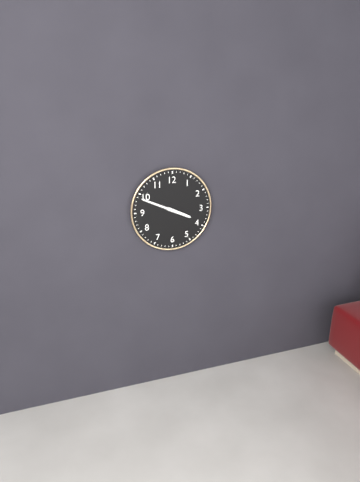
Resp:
h=3 m=49
